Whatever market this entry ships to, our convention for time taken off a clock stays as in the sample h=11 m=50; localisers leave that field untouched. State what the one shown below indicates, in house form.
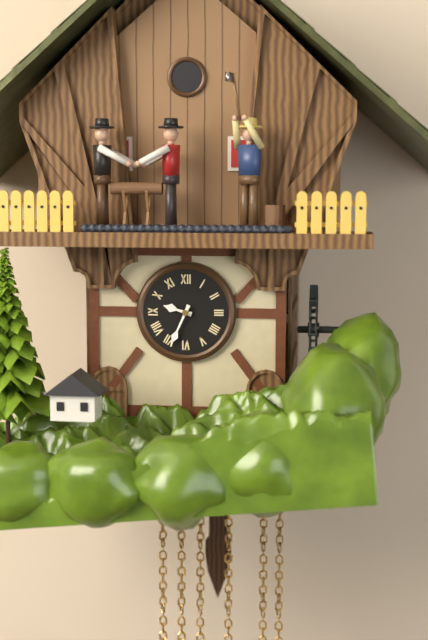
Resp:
h=9 m=34
